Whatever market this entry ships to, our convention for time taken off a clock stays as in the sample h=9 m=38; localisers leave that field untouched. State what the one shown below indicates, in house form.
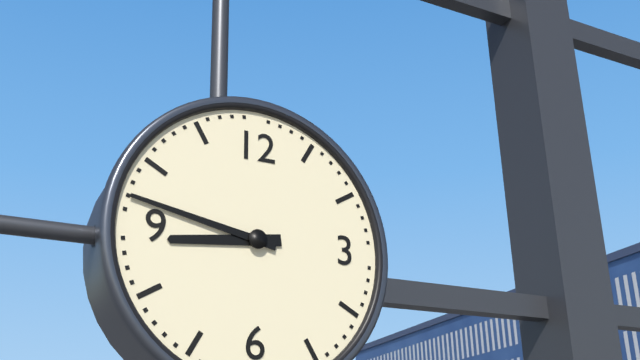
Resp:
h=8 m=47
